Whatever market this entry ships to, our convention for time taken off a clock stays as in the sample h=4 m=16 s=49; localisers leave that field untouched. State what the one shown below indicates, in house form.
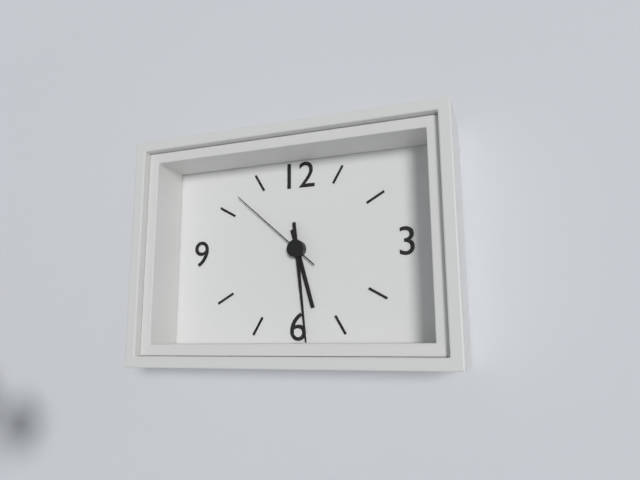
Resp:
h=5 m=29 s=52
